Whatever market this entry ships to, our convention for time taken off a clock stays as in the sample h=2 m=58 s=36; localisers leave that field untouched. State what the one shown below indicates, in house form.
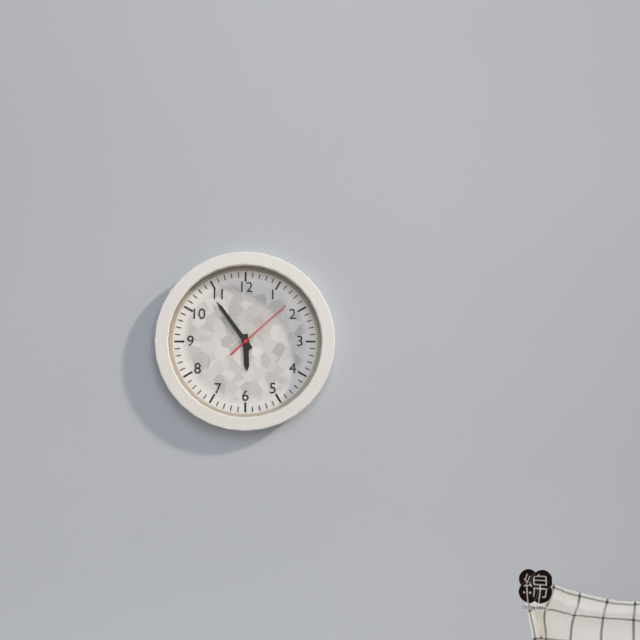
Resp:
h=5 m=54 s=8
